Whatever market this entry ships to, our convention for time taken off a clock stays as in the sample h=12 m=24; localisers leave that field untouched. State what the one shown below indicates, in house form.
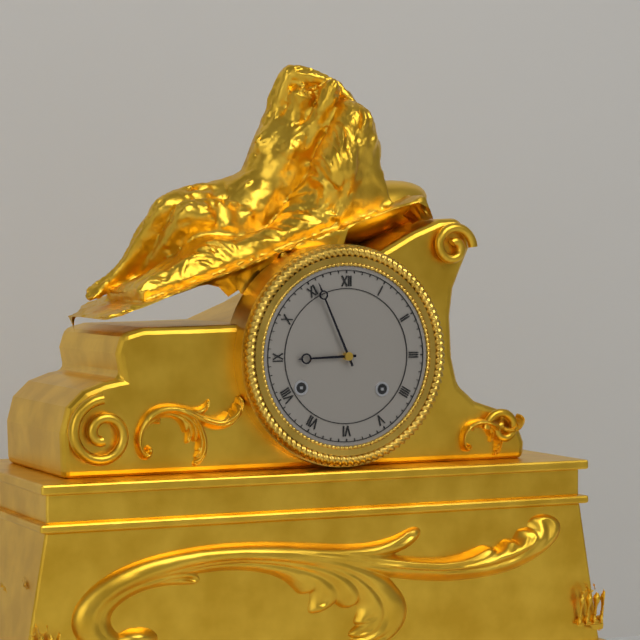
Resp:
h=8 m=56
